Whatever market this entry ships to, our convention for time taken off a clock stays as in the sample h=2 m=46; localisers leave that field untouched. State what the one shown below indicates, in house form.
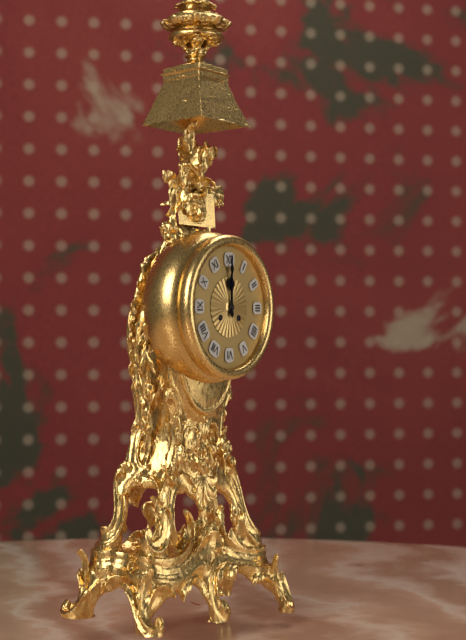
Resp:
h=12 m=0
